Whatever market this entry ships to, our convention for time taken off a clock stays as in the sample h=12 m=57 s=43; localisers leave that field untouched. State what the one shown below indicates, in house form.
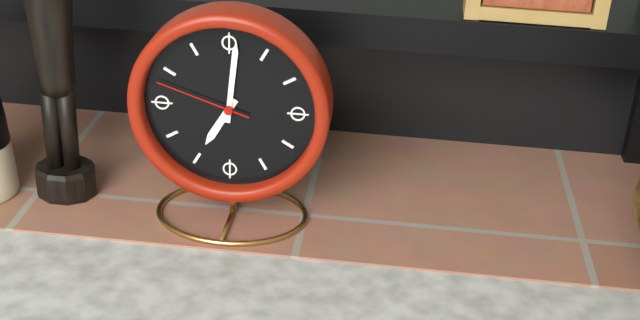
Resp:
h=7 m=1 s=48
